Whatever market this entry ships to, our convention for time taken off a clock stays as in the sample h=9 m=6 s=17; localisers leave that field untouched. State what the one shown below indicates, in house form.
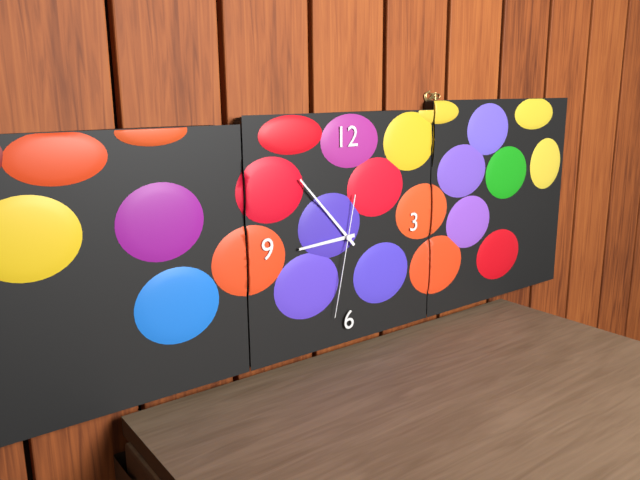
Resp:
h=8 m=53 s=32
